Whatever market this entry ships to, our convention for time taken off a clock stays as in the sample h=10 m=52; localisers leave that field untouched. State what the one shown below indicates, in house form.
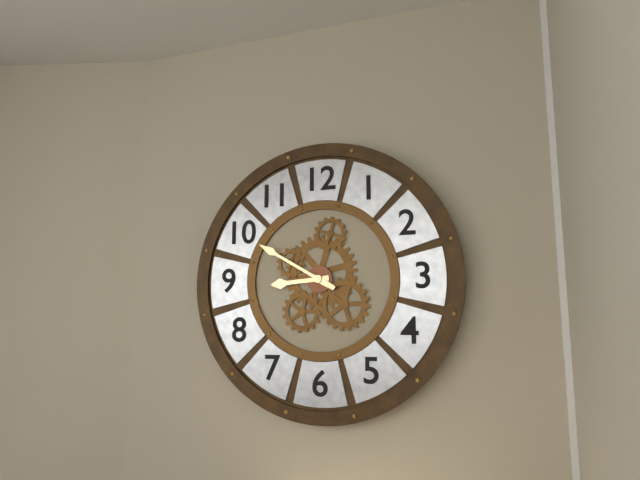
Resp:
h=8 m=50
